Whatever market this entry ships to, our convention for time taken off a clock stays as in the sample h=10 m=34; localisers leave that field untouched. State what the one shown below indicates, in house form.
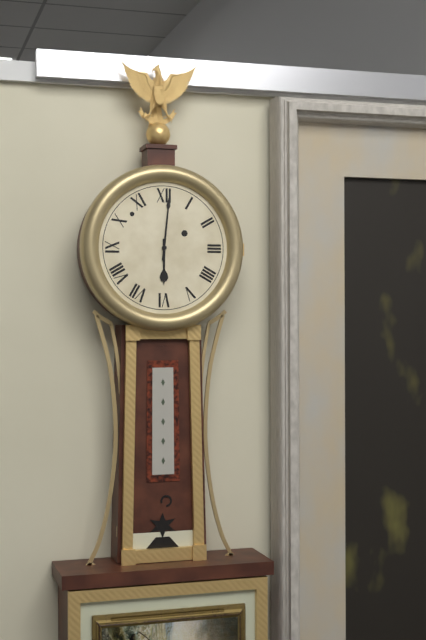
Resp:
h=6 m=1
